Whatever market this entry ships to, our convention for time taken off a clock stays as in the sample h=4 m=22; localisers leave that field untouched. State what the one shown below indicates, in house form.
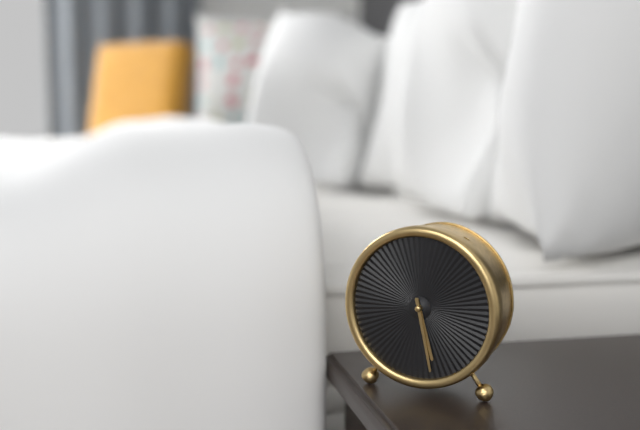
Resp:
h=5 m=28
